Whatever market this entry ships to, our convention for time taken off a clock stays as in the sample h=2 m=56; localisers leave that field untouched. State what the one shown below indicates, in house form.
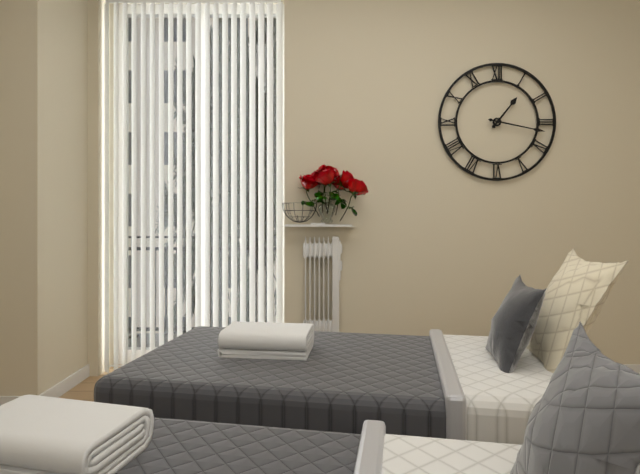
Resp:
h=1 m=17
